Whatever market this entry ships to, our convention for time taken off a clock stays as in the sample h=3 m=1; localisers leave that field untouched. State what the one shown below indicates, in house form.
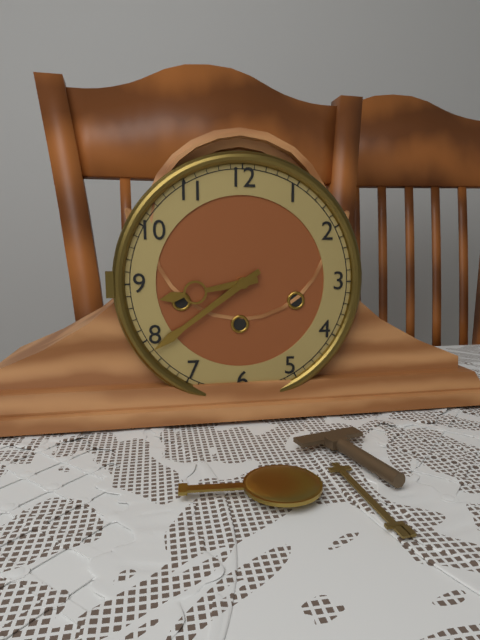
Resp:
h=8 m=39
